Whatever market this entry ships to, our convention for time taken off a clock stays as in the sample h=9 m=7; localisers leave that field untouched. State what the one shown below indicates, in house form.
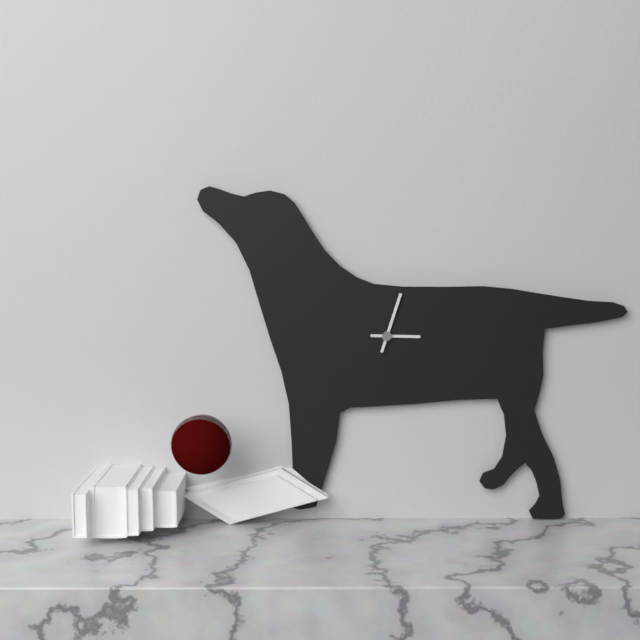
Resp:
h=3 m=3
